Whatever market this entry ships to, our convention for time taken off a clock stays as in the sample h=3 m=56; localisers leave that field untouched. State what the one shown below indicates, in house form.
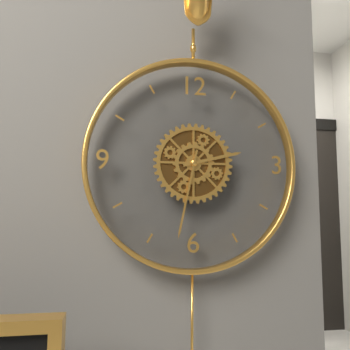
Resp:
h=2 m=32
